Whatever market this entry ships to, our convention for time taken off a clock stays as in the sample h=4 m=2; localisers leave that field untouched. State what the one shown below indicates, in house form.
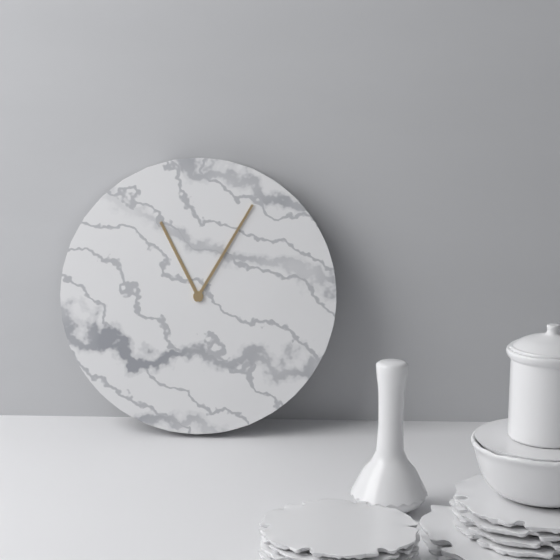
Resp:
h=11 m=5
